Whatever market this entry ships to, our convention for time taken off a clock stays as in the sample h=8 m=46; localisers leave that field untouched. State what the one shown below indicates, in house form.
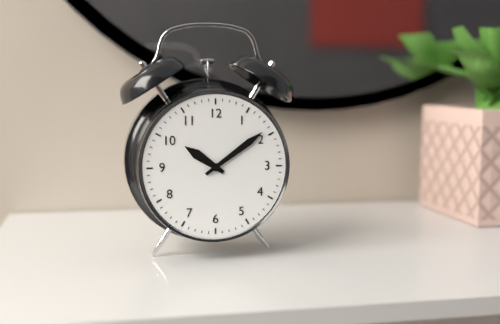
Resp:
h=10 m=9
